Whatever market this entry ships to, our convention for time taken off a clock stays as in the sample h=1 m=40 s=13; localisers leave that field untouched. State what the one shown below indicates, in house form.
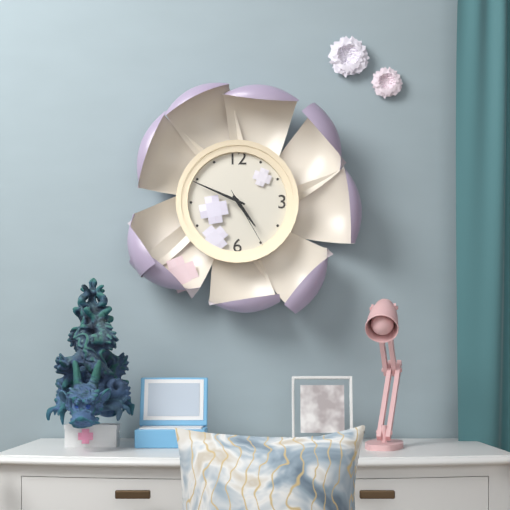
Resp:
h=4 m=49 s=25
